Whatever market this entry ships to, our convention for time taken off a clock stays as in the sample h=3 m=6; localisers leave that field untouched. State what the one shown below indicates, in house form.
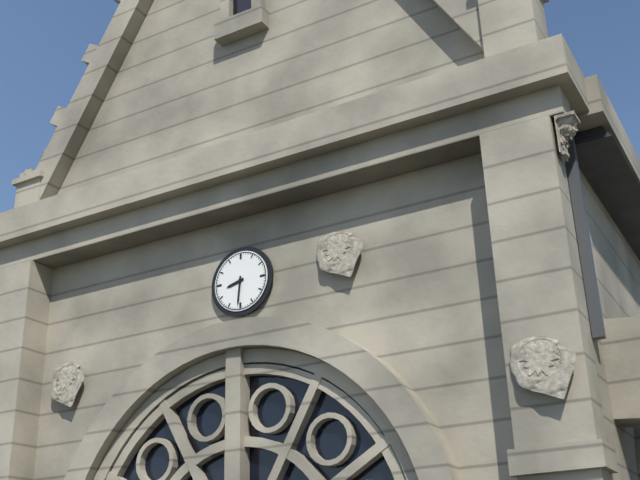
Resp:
h=8 m=31
